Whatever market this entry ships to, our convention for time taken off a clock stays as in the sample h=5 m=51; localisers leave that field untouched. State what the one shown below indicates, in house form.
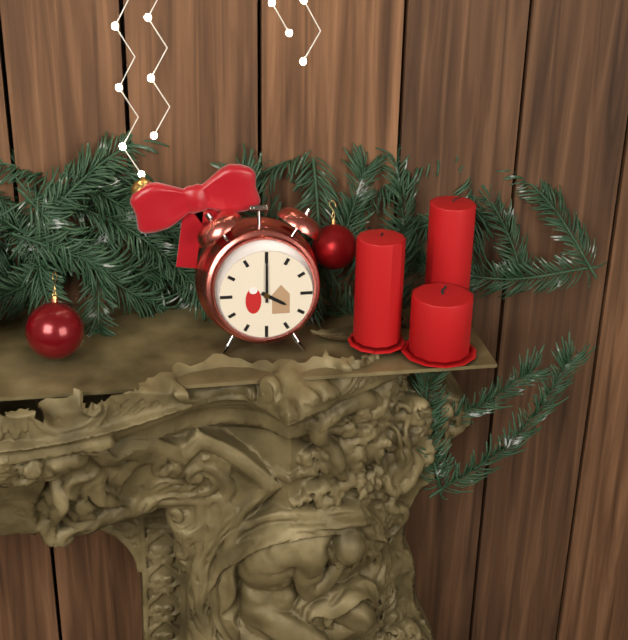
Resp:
h=4 m=0
